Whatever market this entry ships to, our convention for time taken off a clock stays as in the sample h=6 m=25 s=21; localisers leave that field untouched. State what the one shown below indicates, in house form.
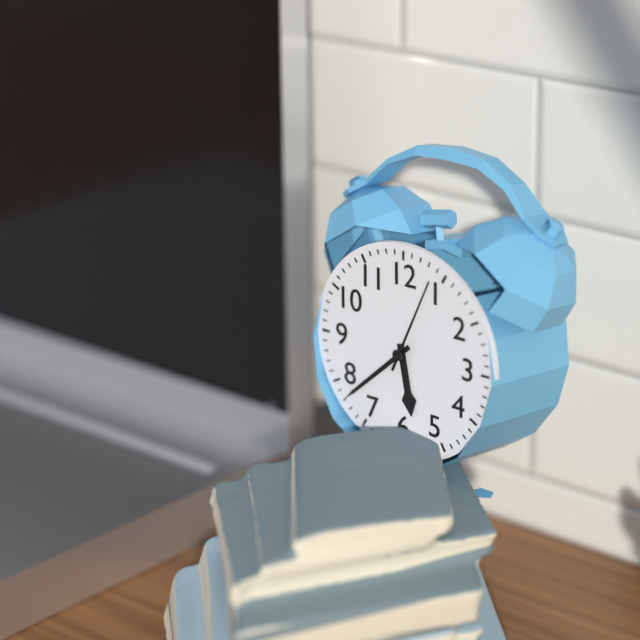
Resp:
h=5 m=38 s=4
